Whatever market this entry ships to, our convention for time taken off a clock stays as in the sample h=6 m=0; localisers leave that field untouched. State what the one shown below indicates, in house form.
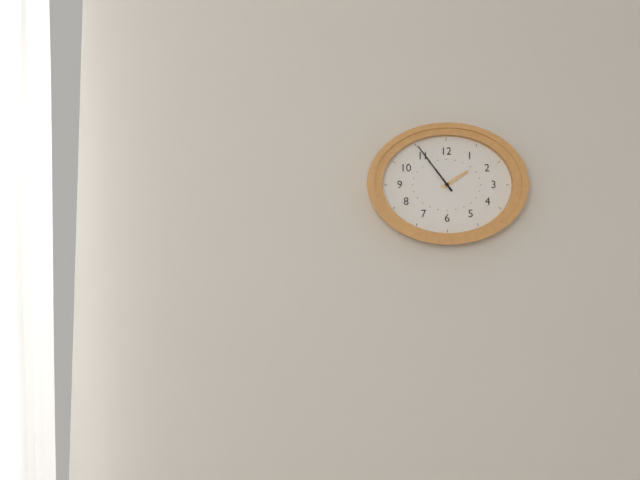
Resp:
h=1 m=54
